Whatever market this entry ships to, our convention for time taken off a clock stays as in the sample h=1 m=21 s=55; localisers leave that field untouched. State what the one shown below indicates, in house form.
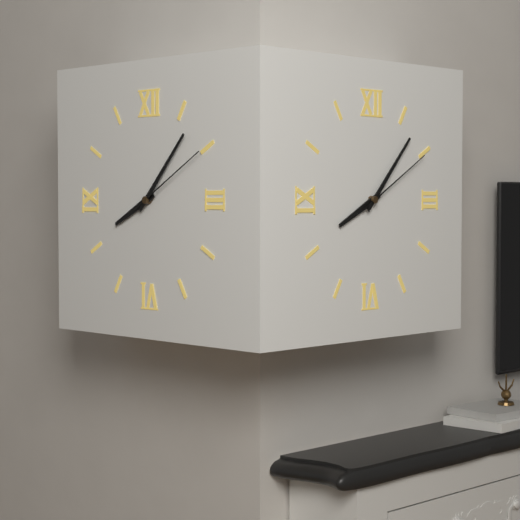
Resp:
h=8 m=7 s=10
